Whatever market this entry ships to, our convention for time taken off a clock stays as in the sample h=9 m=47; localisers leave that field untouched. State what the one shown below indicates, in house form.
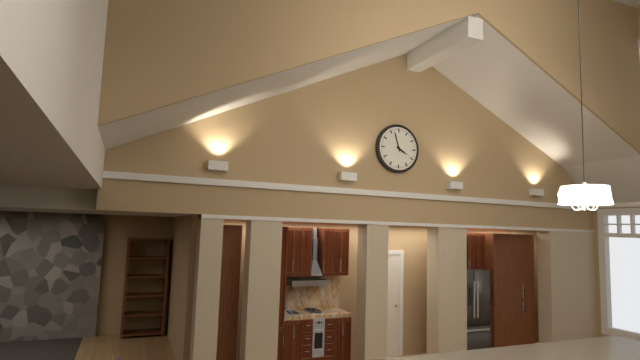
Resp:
h=3 m=57
